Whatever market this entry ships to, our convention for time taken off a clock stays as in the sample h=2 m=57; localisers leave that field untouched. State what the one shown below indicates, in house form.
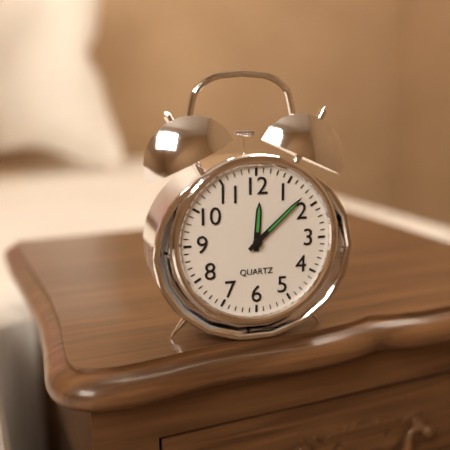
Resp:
h=12 m=8
